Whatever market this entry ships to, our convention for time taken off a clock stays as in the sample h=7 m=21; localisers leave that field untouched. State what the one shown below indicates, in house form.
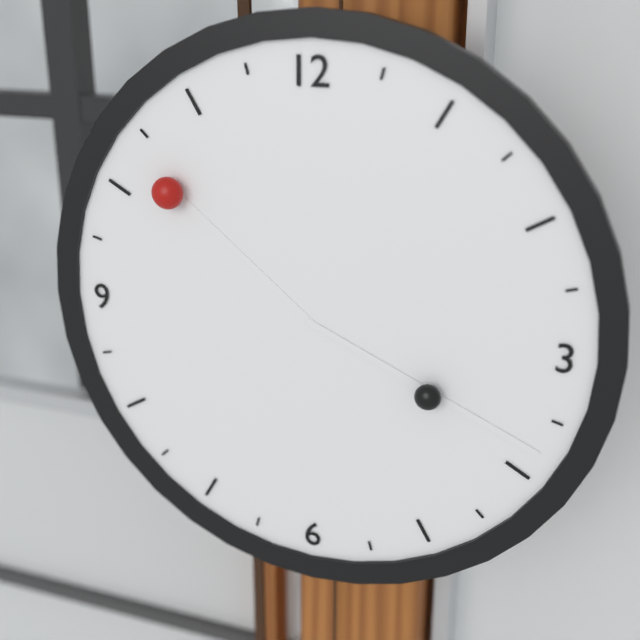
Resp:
h=10 m=19
